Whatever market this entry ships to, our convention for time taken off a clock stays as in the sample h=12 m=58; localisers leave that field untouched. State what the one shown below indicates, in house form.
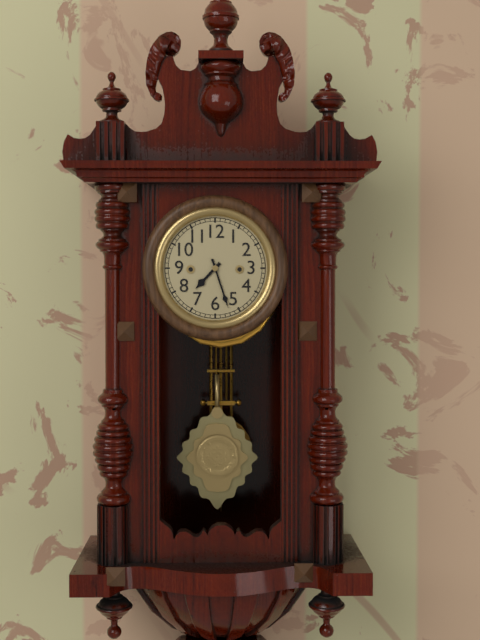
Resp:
h=7 m=27
